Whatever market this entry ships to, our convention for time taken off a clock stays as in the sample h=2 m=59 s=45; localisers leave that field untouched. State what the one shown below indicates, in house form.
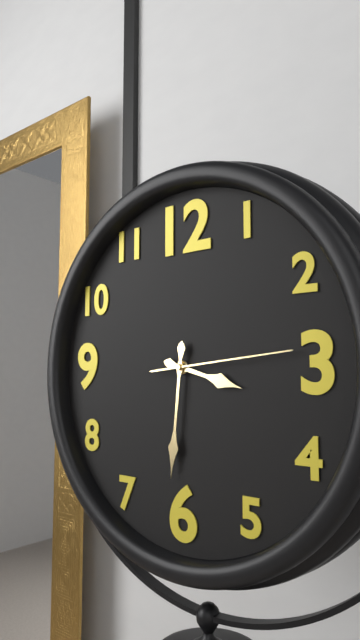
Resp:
h=3 m=31 s=14
